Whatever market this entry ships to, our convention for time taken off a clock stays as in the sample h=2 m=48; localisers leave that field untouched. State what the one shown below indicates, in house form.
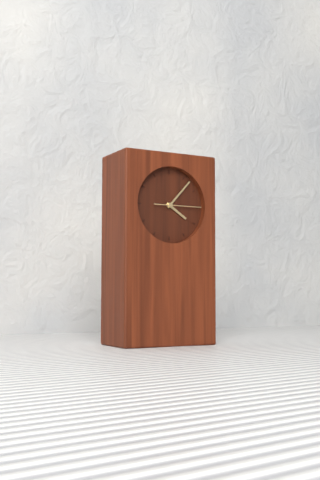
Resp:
h=4 m=7
